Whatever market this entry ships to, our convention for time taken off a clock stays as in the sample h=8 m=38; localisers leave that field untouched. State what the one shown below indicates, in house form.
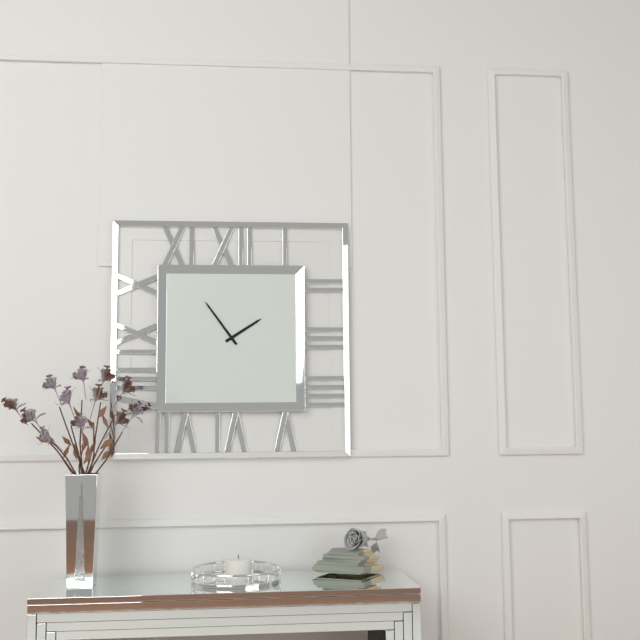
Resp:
h=1 m=54
